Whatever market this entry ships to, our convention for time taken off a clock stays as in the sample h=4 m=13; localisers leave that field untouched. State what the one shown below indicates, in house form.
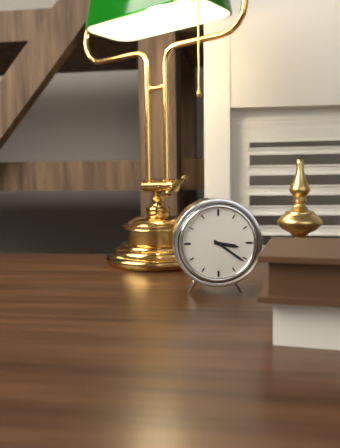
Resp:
h=3 m=21
